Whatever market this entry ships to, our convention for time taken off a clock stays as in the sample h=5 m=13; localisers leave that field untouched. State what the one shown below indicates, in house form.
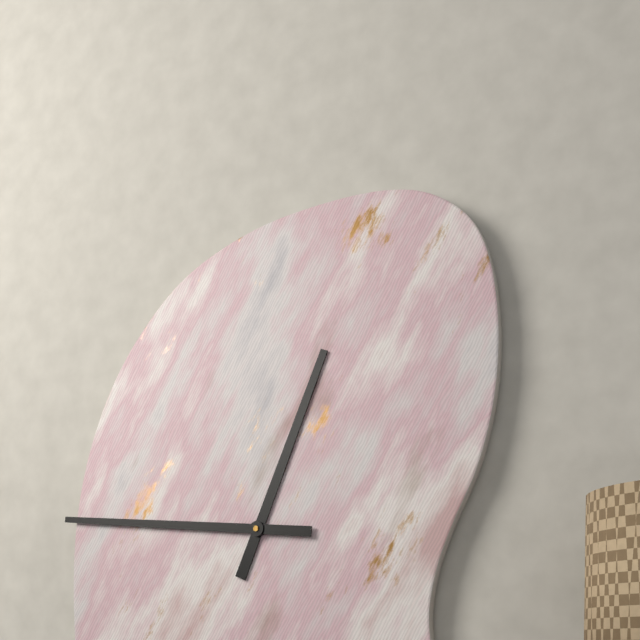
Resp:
h=12 m=46
